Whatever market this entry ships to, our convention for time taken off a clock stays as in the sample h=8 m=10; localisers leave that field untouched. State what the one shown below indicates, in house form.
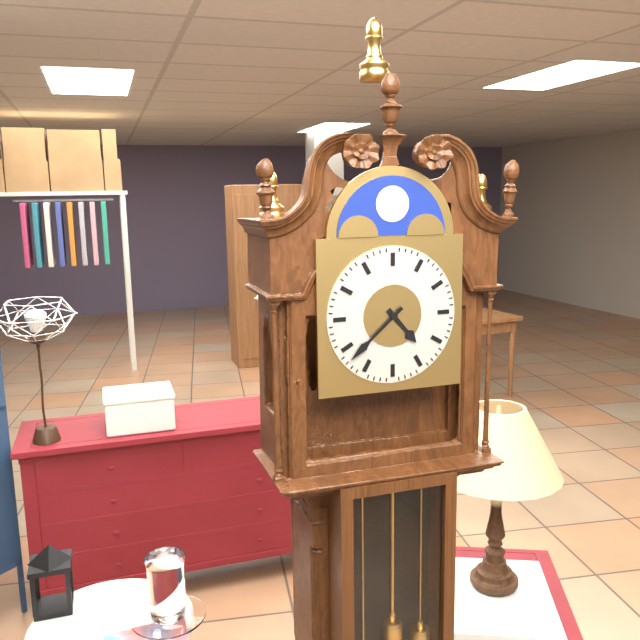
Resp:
h=4 m=38
